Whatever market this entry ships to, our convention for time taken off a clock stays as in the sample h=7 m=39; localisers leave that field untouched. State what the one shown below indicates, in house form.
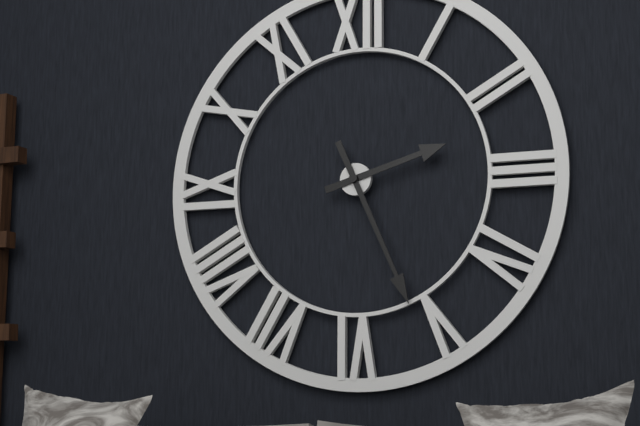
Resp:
h=2 m=26
